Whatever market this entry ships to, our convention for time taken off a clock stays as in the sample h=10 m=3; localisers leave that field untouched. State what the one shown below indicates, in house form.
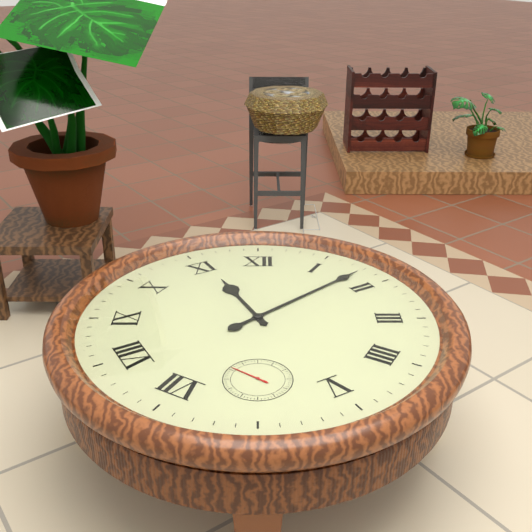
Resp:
h=11 m=8
